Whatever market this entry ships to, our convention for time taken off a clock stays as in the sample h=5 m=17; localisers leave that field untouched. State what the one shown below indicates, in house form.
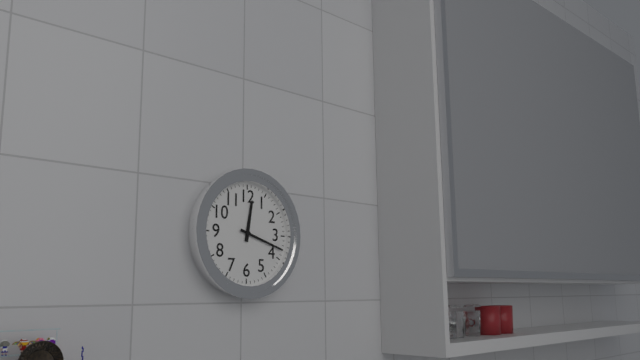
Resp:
h=12 m=18
